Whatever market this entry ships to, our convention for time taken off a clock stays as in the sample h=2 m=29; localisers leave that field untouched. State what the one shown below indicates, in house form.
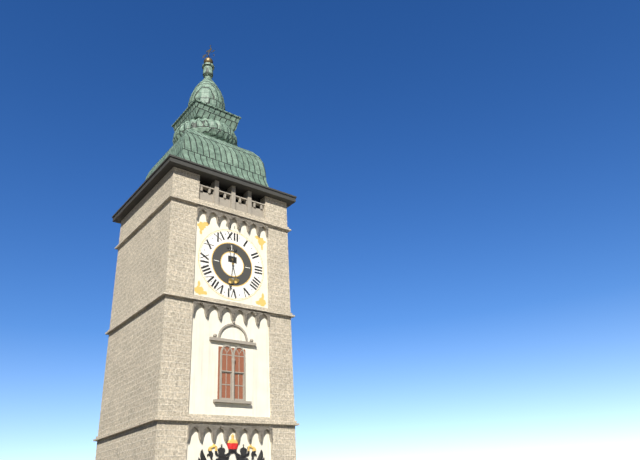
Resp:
h=5 m=31
